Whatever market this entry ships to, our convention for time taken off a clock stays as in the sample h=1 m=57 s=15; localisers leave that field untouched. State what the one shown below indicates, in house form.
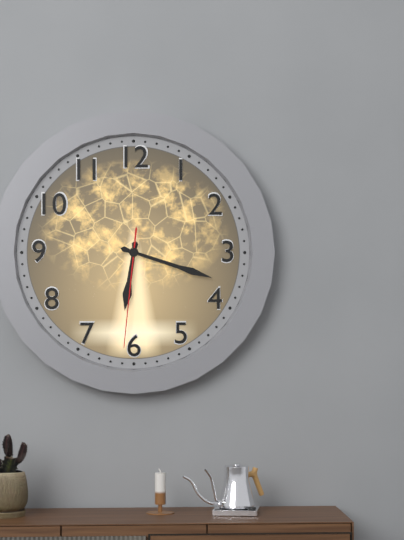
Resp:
h=6 m=18 s=31
